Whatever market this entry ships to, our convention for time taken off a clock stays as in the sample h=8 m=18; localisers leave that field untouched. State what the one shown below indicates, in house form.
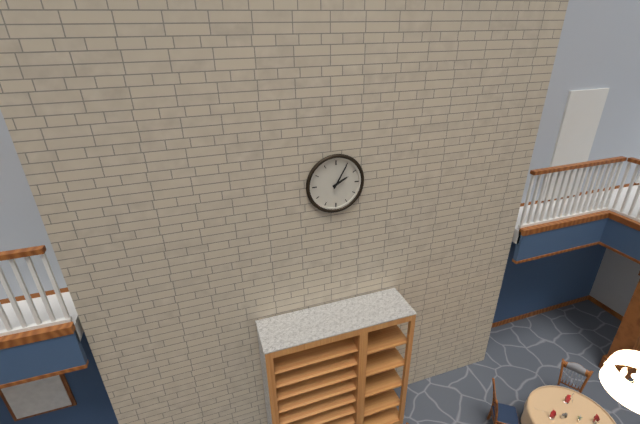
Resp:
h=2 m=5
